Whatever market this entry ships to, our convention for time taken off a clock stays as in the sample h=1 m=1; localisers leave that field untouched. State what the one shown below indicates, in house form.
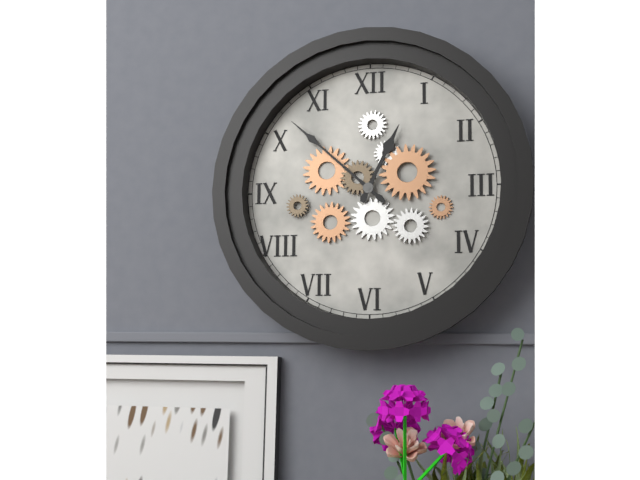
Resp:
h=12 m=52
